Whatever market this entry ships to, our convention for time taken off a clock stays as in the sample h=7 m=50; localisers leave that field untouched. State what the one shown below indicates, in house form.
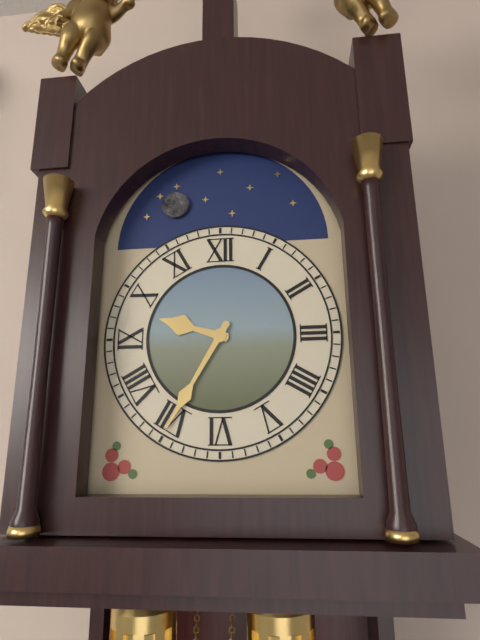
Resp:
h=9 m=35
